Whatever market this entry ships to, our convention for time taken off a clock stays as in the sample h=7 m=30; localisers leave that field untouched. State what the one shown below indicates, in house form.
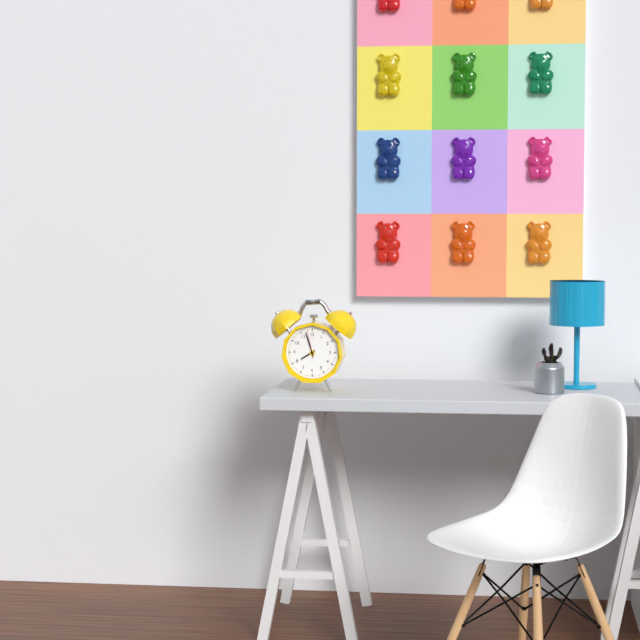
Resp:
h=7 m=57
